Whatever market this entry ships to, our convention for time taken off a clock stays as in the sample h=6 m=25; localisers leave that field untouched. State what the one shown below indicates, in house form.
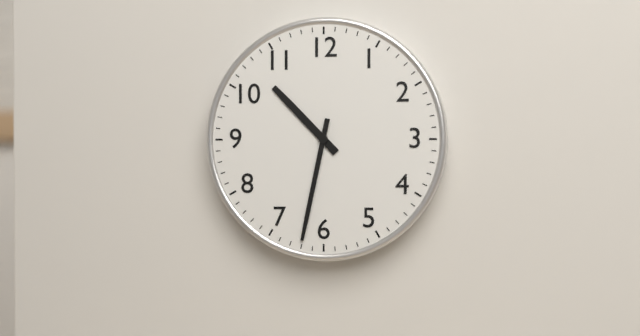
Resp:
h=10 m=32
